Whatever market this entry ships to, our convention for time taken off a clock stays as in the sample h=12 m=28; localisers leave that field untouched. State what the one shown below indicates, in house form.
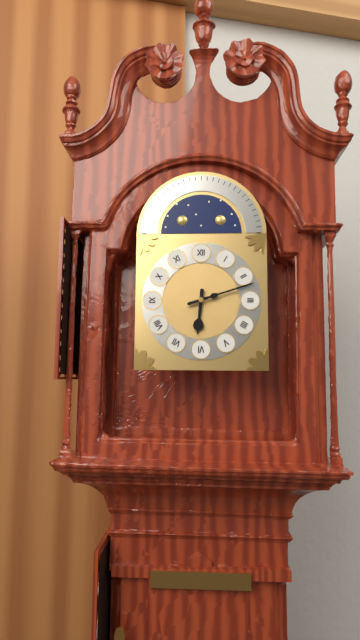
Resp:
h=6 m=12
